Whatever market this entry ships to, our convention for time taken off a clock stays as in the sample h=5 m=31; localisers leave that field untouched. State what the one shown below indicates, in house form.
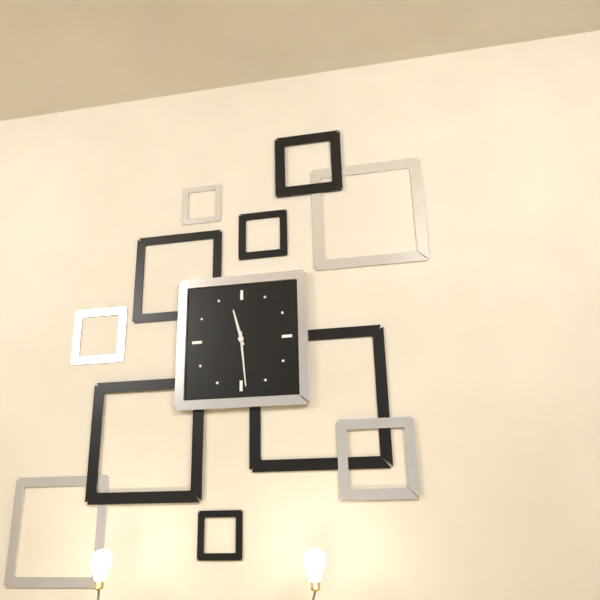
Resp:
h=11 m=29
